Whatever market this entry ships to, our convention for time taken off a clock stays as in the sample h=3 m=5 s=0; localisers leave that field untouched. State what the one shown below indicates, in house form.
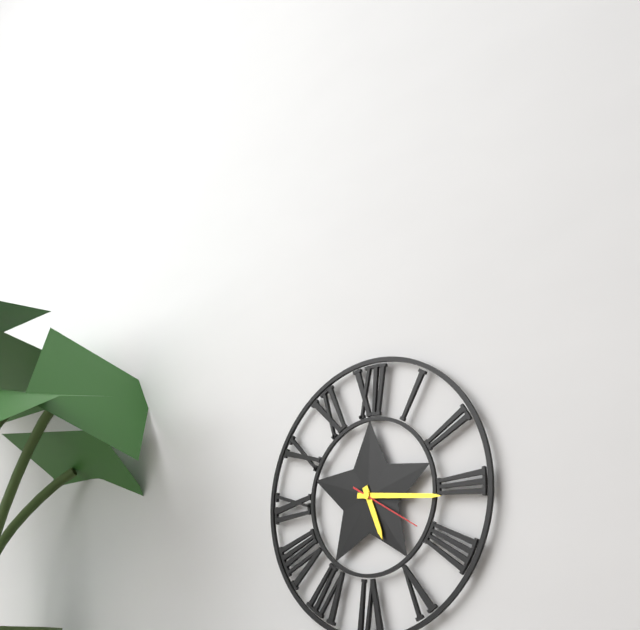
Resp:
h=5 m=16 s=20
